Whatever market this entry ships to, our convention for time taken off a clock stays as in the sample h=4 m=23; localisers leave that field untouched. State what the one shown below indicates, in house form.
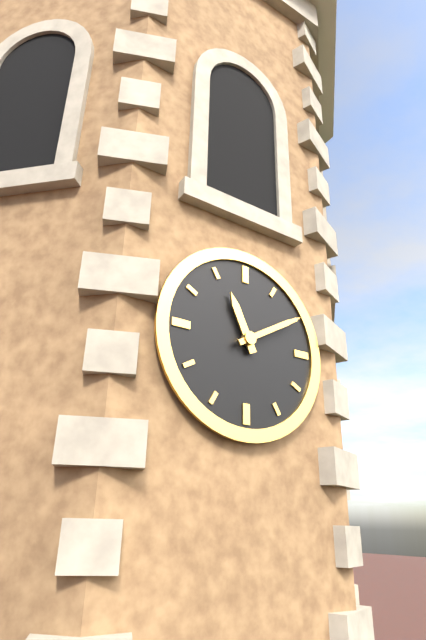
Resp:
h=11 m=10
